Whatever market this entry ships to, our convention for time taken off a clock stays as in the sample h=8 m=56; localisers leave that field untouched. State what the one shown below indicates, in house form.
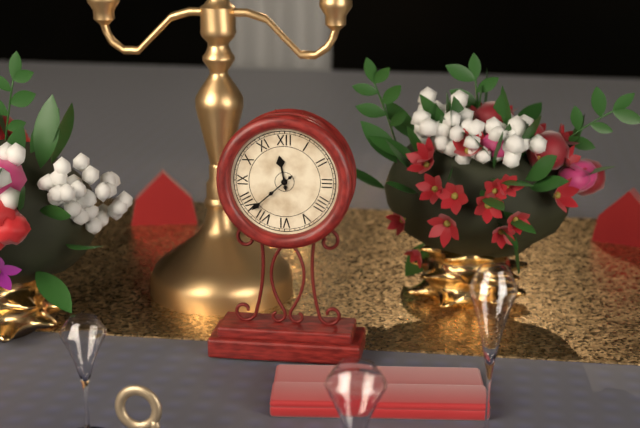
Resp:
h=11 m=38
